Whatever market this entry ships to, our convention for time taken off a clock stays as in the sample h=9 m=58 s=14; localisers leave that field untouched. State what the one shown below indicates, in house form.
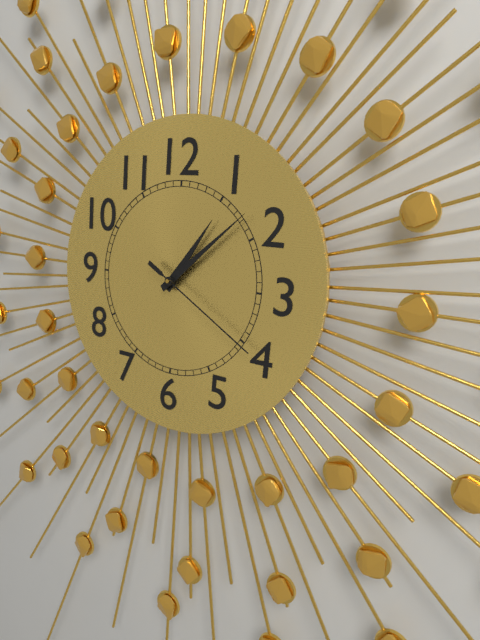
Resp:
h=1 m=8 s=20
